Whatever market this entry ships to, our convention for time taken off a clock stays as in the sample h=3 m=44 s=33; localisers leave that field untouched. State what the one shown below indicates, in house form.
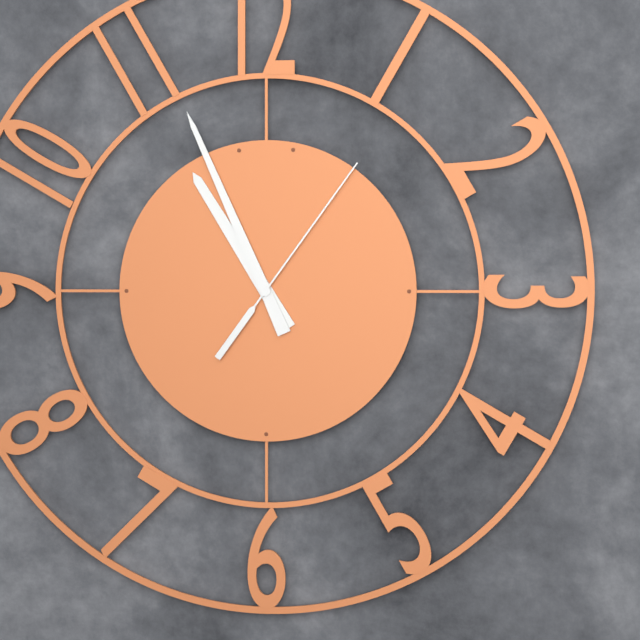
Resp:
h=10 m=56 s=6
